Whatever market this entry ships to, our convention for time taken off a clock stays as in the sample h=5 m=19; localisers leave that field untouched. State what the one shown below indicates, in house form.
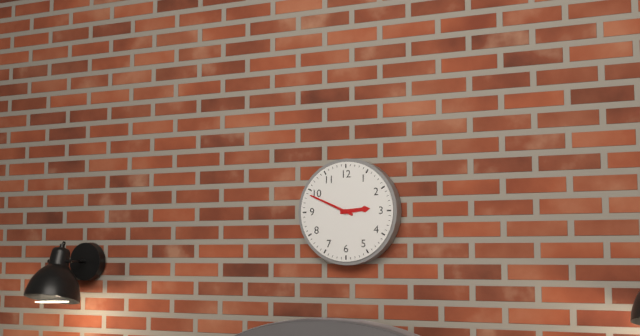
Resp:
h=2 m=49
